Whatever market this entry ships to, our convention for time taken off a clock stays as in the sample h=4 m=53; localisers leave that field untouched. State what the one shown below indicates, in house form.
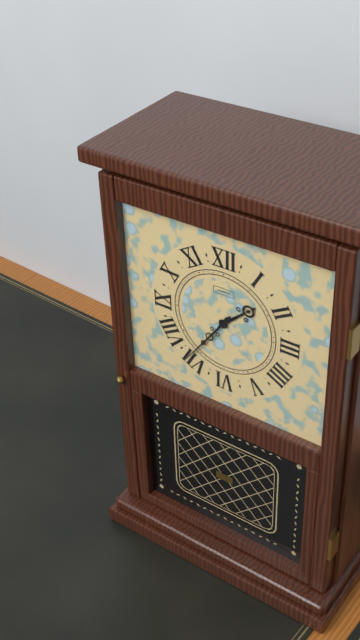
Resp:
h=1 m=36
